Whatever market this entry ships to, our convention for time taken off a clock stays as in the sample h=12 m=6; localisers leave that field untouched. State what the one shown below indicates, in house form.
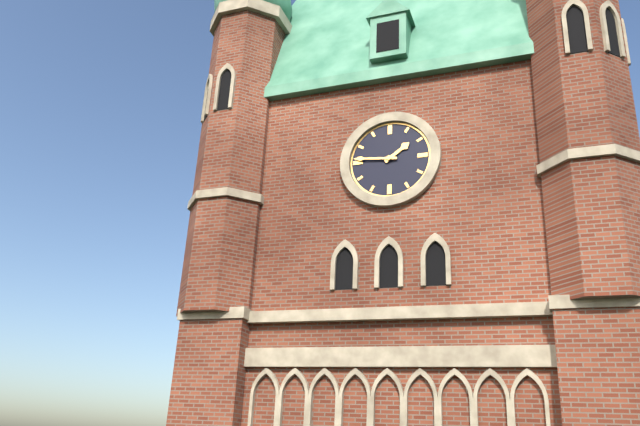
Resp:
h=1 m=46
